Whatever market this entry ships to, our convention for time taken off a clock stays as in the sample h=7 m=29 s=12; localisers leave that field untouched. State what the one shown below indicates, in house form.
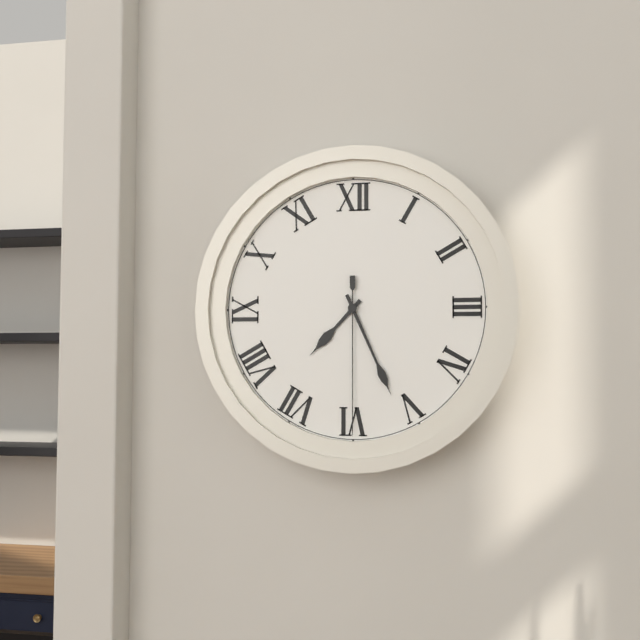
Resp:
h=7 m=26 s=30
